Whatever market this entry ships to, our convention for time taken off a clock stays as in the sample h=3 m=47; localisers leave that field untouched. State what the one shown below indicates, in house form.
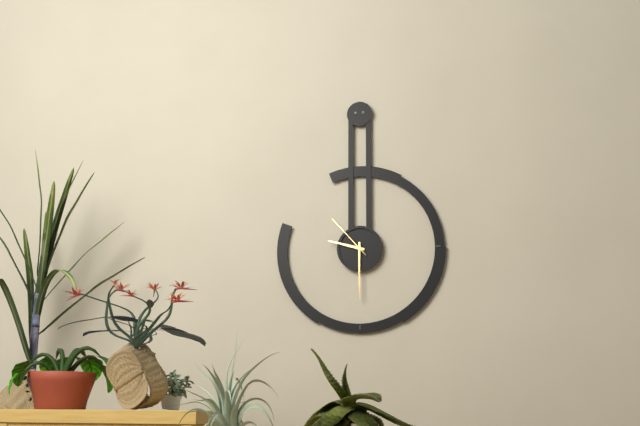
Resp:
h=9 m=30
